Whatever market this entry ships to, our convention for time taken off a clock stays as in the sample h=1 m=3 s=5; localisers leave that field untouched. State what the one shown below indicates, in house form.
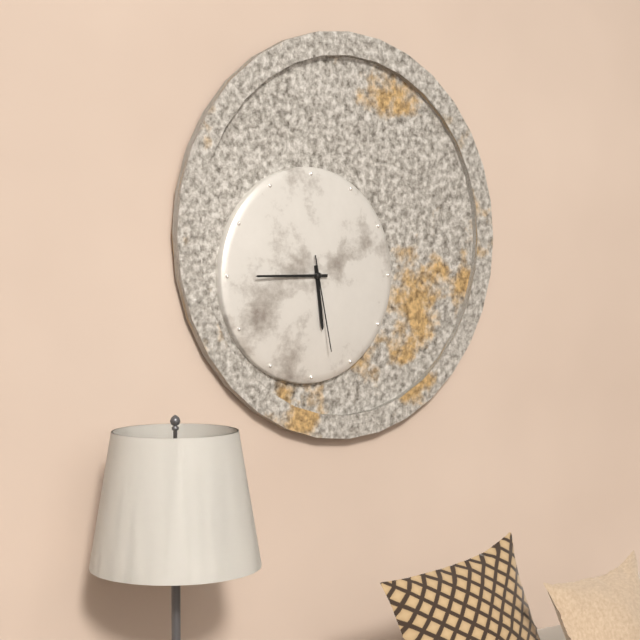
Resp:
h=5 m=45 s=28
